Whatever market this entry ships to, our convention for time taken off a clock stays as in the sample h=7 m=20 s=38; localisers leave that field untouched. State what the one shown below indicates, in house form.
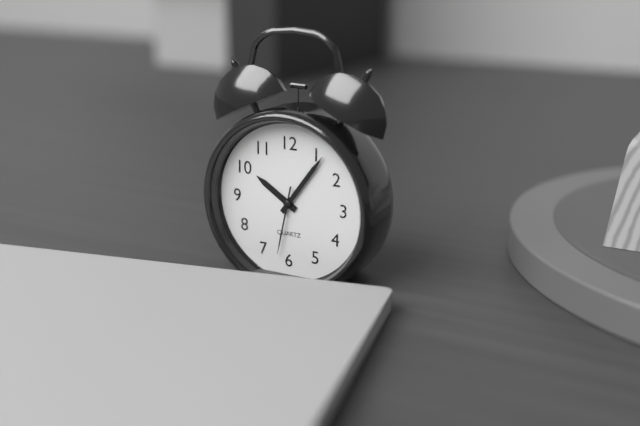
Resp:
h=10 m=6 s=32
